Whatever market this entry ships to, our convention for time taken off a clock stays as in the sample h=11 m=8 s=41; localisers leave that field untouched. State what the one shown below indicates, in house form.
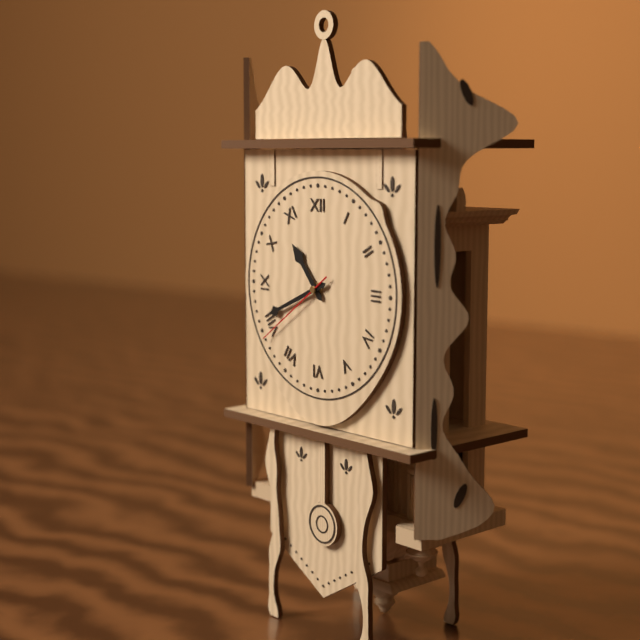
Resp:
h=10 m=41 s=39
